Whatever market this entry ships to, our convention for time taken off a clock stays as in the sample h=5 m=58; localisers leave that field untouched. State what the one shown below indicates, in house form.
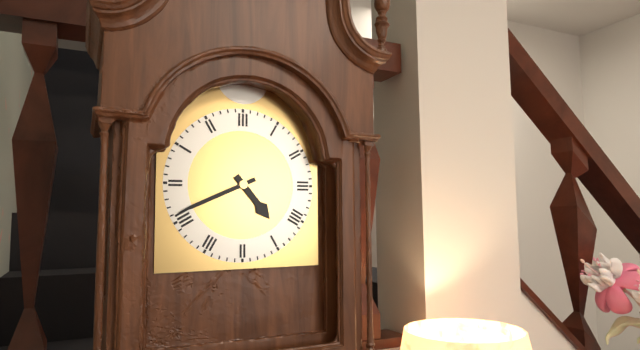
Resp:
h=4 m=41
